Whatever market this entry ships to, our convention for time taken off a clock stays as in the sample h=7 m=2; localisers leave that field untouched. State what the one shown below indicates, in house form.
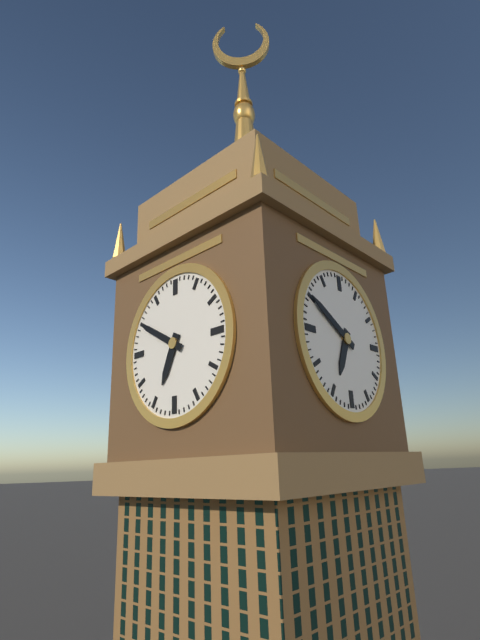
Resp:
h=6 m=50
